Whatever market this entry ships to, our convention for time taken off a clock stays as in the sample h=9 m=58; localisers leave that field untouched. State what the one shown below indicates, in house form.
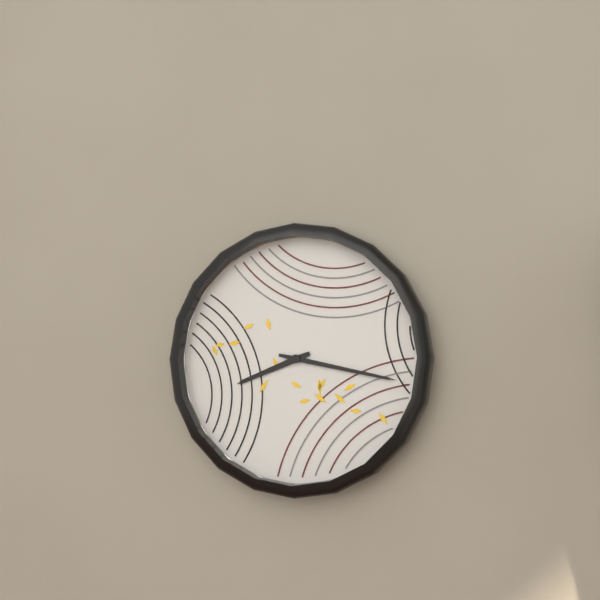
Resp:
h=8 m=17
